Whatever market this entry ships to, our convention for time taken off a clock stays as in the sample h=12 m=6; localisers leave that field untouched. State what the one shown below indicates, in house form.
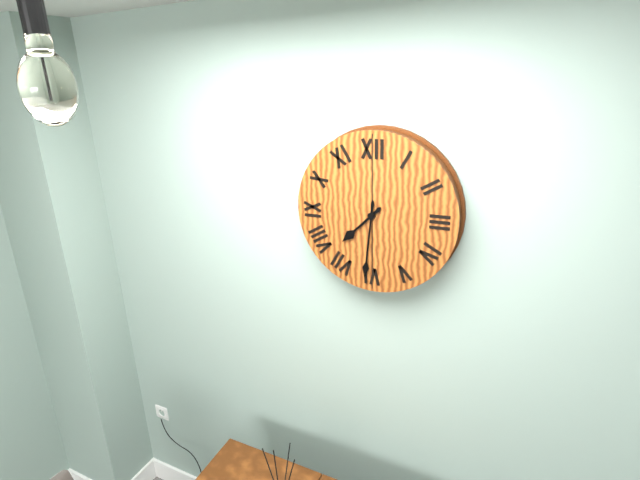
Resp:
h=7 m=31
